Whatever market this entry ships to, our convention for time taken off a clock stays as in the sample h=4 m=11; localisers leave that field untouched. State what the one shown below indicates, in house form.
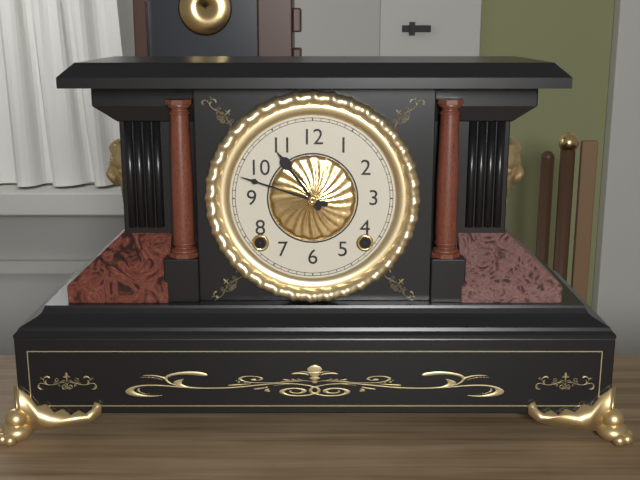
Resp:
h=10 m=48
